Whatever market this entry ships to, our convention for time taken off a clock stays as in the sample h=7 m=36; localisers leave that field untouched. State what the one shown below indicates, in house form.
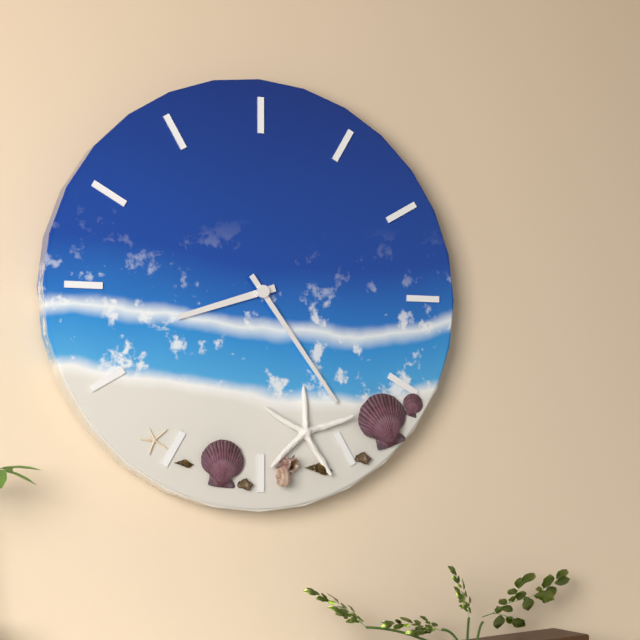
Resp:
h=8 m=24
